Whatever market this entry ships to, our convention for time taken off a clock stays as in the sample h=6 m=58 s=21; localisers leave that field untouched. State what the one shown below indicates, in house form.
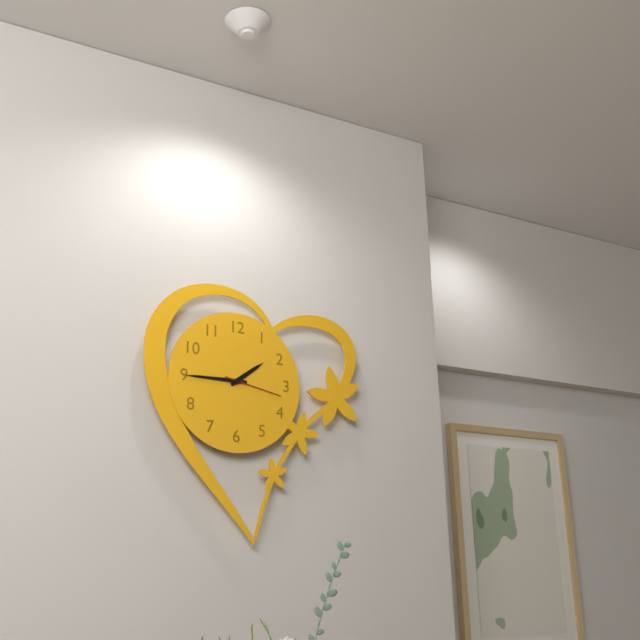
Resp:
h=1 m=45 s=17
